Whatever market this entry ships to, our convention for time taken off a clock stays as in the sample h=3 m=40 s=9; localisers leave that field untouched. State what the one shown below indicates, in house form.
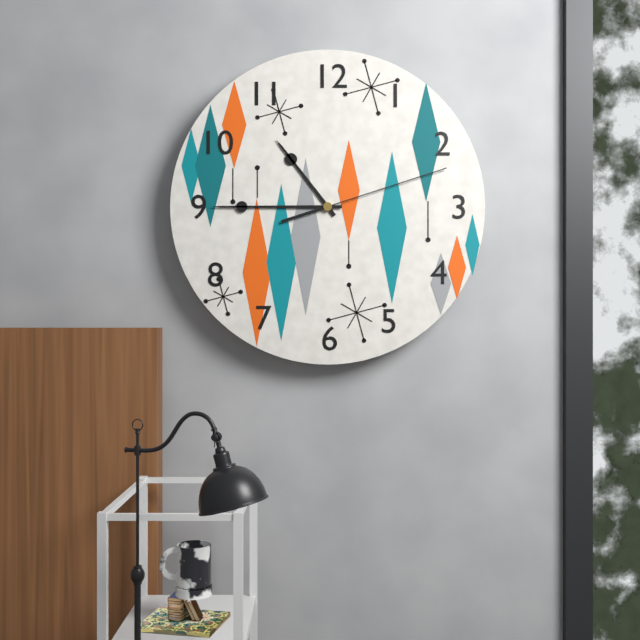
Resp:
h=10 m=45 s=12
